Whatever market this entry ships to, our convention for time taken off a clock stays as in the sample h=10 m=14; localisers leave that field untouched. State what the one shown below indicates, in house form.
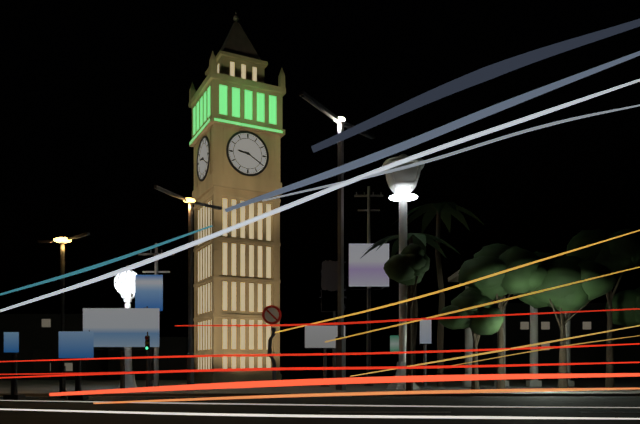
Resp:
h=9 m=20
